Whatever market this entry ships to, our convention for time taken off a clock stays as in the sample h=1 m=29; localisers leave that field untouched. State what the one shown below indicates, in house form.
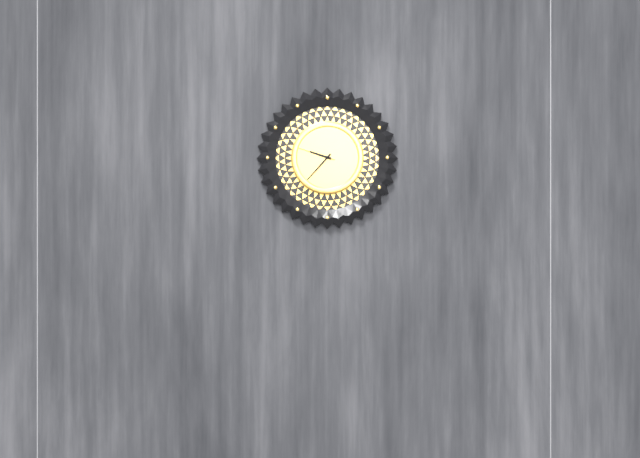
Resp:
h=9 m=37
